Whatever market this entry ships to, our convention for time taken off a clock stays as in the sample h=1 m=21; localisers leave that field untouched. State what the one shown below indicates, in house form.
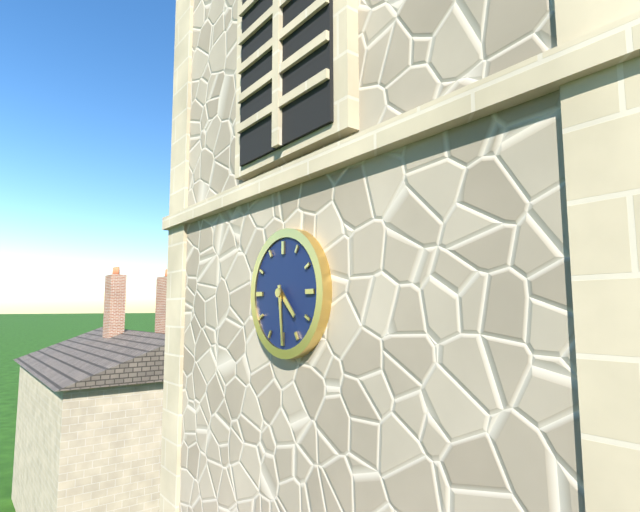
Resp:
h=4 m=29
